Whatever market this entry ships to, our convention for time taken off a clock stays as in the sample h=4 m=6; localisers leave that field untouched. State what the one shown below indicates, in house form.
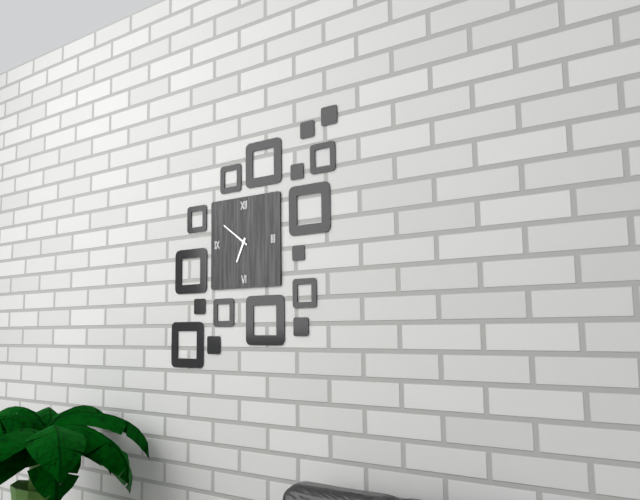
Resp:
h=6 m=51
